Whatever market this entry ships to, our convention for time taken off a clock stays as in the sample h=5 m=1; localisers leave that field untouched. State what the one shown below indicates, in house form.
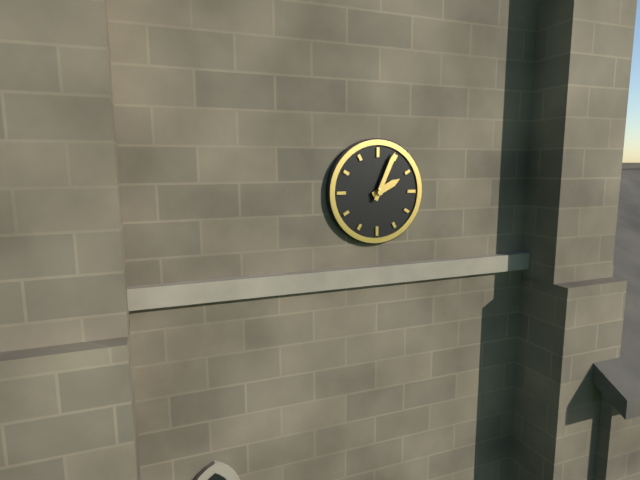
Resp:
h=2 m=4
